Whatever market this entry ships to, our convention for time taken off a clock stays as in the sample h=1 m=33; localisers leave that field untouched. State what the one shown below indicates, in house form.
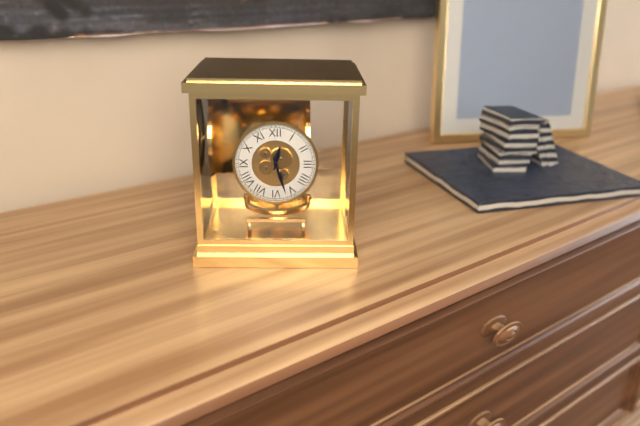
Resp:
h=12 m=27
